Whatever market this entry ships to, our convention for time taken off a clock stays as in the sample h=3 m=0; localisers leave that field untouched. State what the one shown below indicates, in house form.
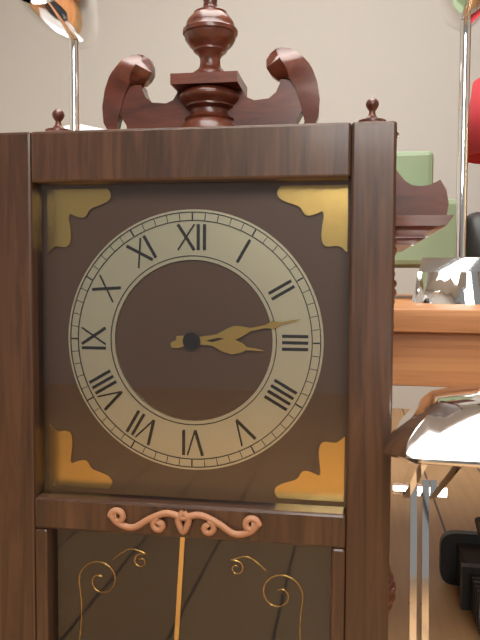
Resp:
h=3 m=13
